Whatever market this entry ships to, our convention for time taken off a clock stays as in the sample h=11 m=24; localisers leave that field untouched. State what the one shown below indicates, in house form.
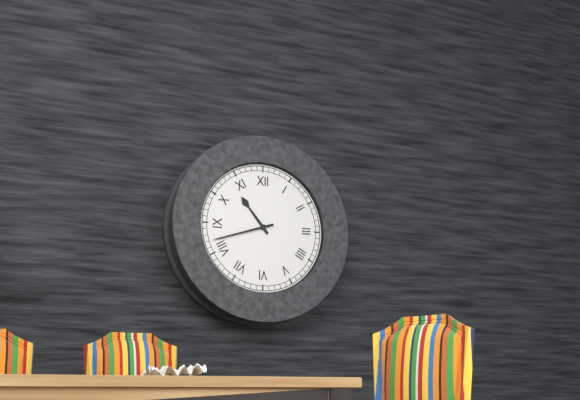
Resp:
h=10 m=42
